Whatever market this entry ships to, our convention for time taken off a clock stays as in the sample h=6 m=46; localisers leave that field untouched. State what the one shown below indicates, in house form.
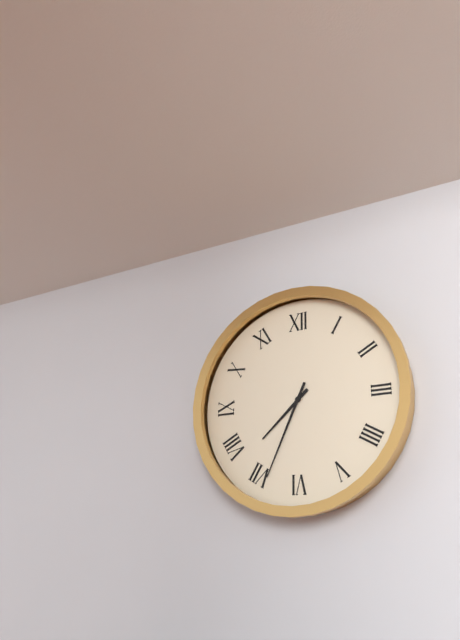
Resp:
h=7 m=34
